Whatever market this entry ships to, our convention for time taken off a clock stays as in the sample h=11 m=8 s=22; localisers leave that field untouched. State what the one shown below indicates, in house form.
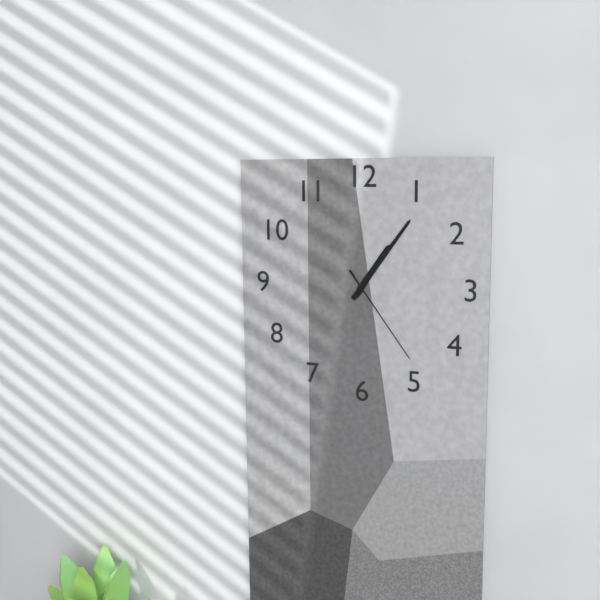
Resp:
h=1 m=6 s=24
